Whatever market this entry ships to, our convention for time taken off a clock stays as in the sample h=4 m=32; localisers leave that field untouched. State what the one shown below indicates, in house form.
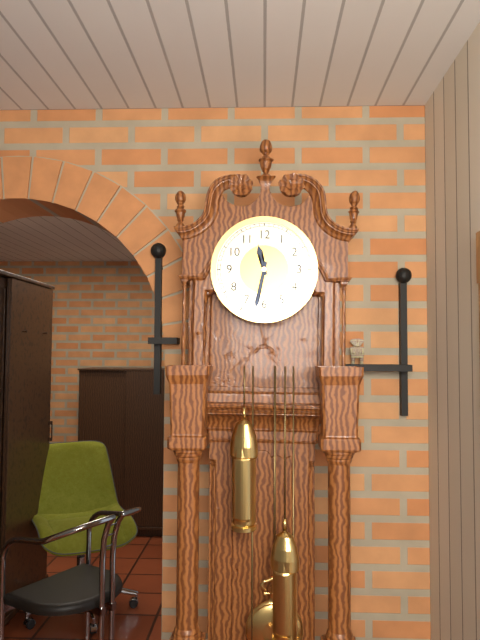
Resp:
h=11 m=32
